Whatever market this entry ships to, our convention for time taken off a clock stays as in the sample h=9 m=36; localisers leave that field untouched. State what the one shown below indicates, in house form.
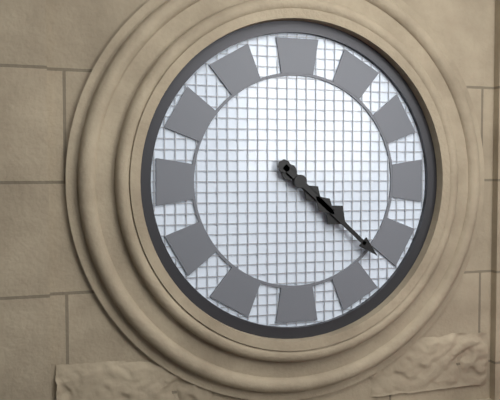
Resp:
h=4 m=22
